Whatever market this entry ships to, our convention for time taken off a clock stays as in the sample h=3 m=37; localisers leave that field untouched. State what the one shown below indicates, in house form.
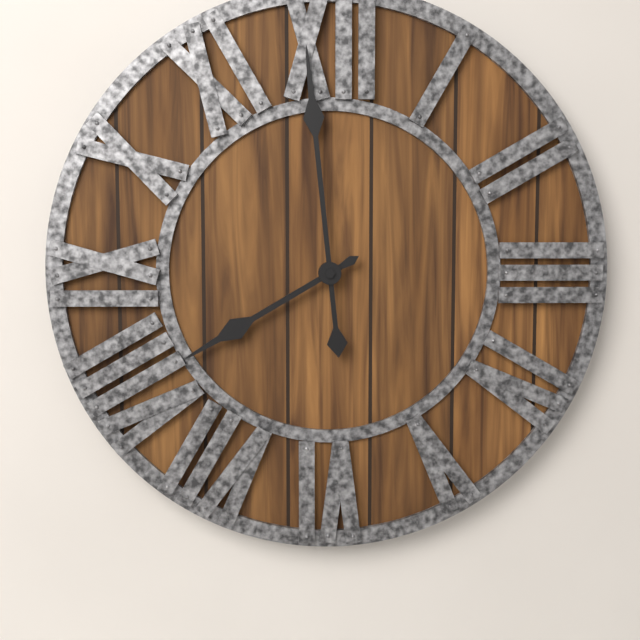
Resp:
h=7 m=59
